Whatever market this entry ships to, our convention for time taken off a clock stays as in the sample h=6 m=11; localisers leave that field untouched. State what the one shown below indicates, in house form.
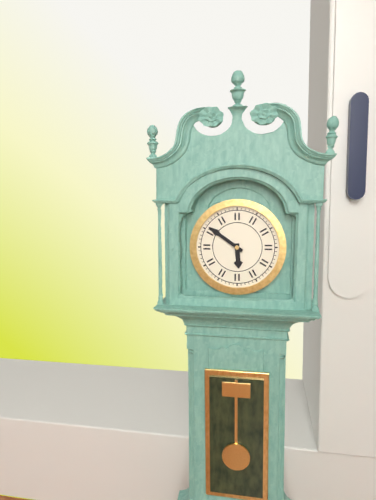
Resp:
h=5 m=51
